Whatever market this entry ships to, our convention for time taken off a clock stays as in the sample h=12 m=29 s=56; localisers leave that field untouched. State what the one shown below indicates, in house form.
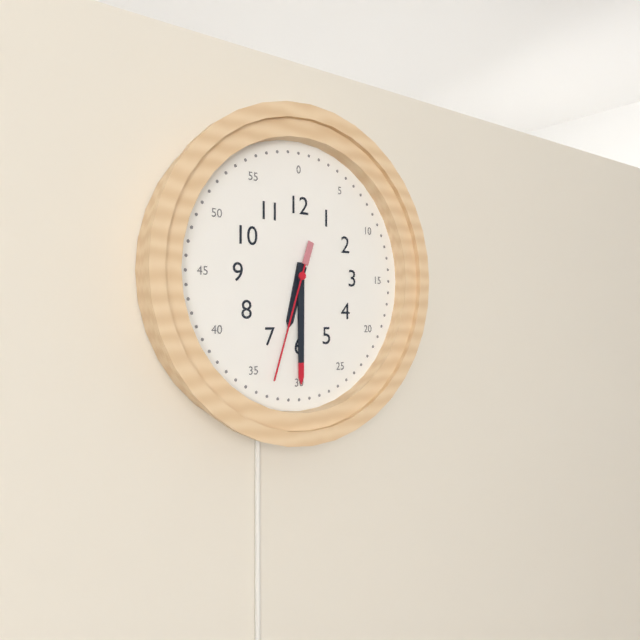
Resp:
h=6 m=30 s=33
